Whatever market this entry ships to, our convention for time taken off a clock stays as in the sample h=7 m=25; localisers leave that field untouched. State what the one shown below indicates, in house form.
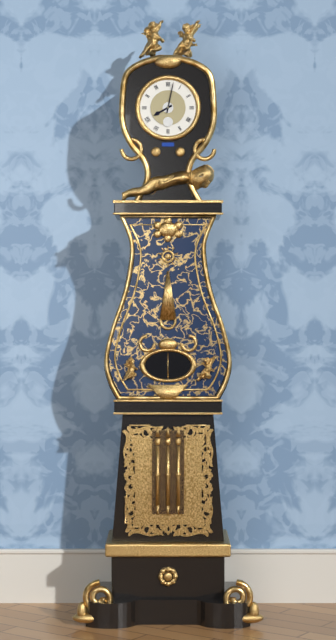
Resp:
h=8 m=2
